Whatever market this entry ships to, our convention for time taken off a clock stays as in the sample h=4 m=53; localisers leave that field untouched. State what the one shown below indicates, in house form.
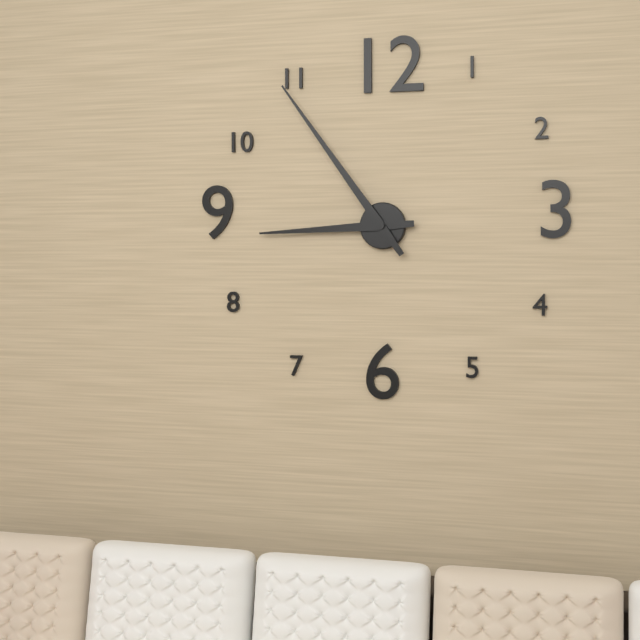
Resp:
h=8 m=54
